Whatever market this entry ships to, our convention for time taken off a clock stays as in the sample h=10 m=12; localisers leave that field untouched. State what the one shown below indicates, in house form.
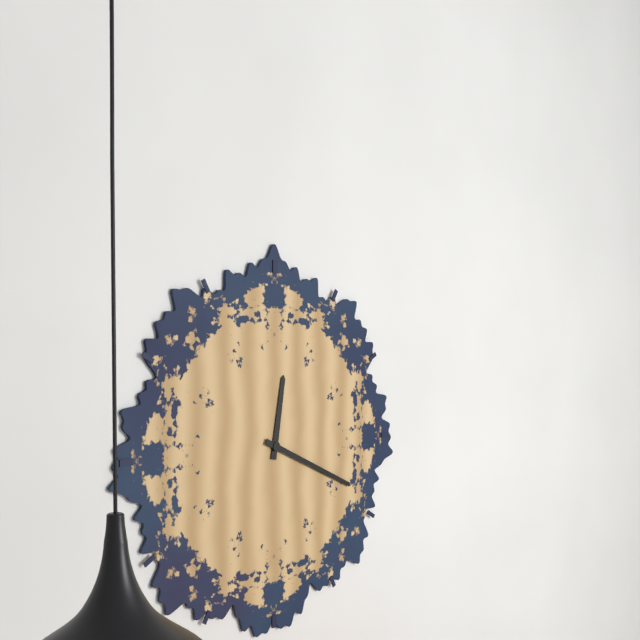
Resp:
h=12 m=19
